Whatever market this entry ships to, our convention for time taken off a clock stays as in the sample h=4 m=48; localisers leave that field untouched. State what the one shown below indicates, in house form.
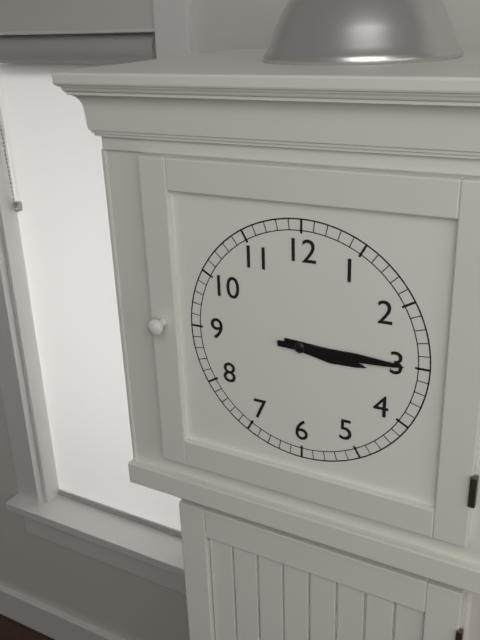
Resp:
h=3 m=15
